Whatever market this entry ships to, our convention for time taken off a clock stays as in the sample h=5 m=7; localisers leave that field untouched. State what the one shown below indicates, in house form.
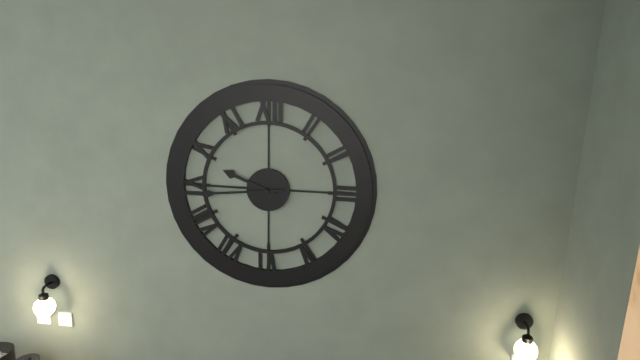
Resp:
h=9 m=44
